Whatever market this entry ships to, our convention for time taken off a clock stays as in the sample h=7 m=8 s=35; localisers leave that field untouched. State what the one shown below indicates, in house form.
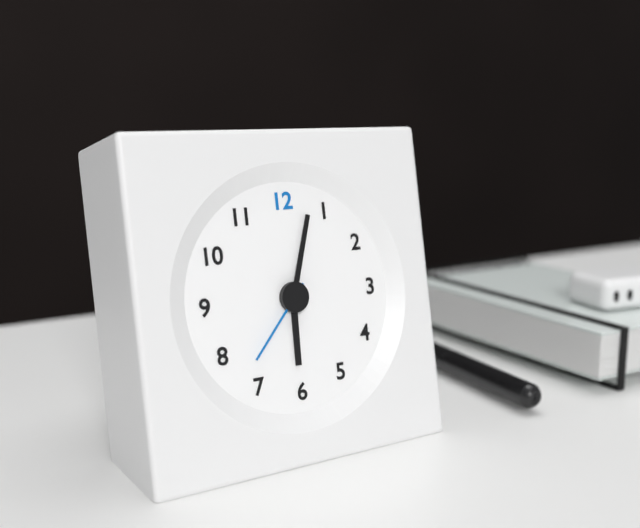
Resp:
h=6 m=3 s=37
